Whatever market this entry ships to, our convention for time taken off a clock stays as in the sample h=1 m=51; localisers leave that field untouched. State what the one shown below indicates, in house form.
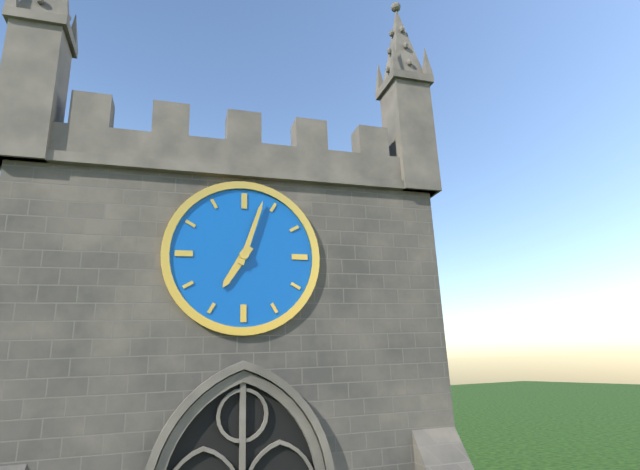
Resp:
h=7 m=3
